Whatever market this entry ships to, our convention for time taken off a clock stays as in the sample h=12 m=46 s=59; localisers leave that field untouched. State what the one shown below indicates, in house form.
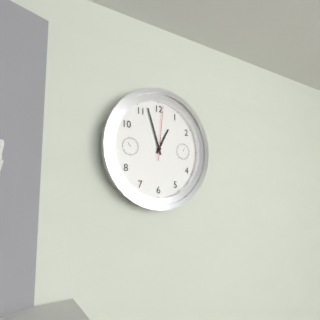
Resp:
h=12 m=57 s=1
